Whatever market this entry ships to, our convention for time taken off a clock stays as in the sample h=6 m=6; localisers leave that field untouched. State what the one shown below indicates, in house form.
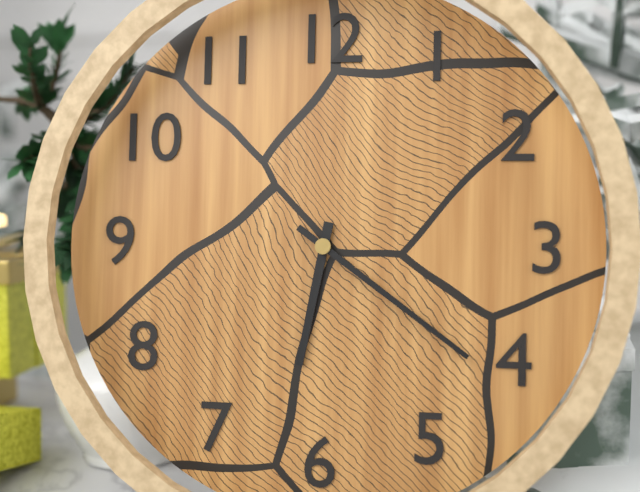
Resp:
h=6 m=21
